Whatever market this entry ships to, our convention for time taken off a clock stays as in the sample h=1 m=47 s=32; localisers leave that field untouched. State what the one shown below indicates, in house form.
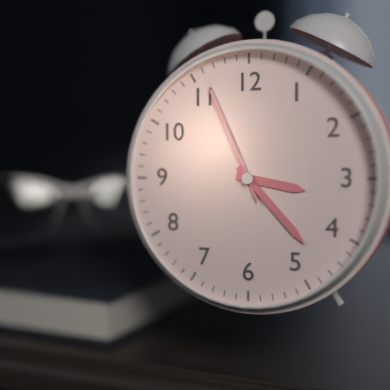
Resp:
h=3 m=23 s=56
